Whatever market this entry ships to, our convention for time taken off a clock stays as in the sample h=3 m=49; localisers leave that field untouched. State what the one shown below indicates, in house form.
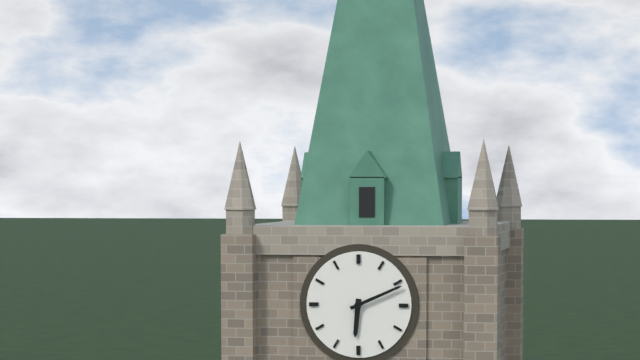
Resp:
h=6 m=11
